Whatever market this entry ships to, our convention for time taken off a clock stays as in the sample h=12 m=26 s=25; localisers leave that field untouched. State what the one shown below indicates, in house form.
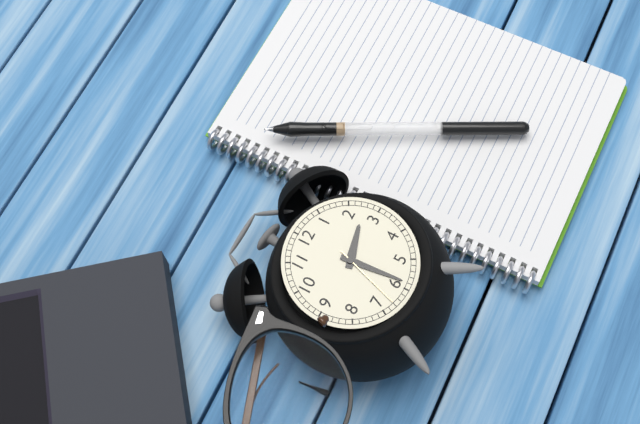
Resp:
h=2 m=29 s=33
